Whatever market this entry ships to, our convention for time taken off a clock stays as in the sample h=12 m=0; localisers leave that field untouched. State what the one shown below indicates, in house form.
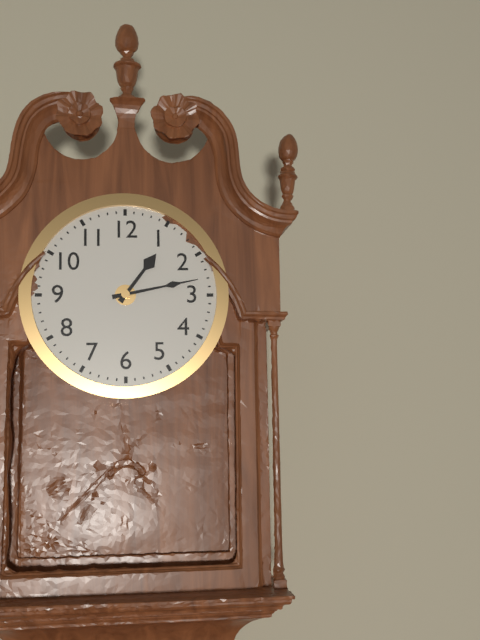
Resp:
h=1 m=13
